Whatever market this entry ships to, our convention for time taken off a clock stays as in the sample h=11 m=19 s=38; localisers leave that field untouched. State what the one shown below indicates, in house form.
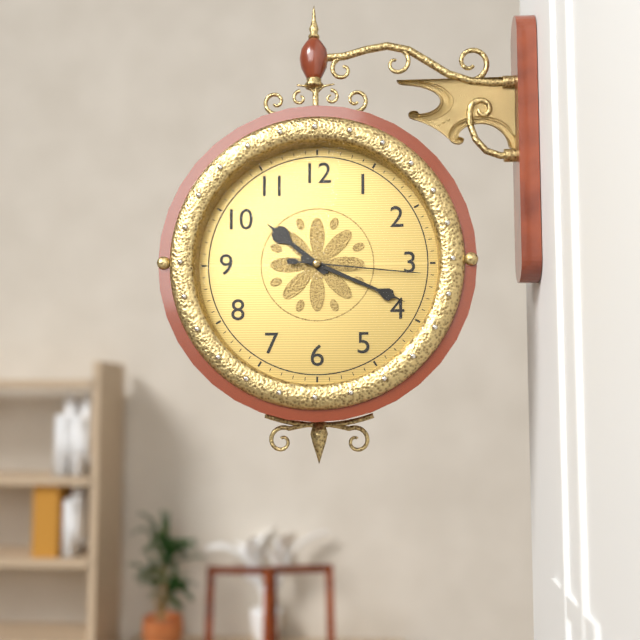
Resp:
h=10 m=19 s=16
